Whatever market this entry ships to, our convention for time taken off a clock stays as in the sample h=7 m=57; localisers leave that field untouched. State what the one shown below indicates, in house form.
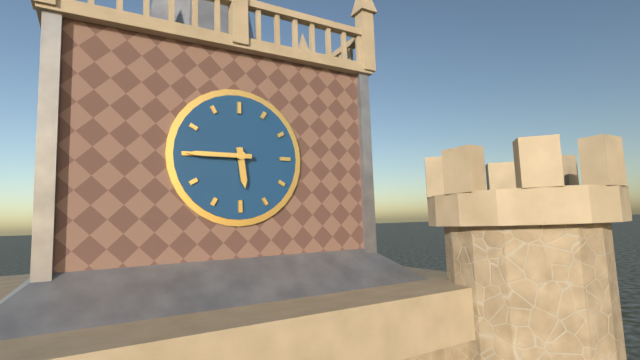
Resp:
h=5 m=45
